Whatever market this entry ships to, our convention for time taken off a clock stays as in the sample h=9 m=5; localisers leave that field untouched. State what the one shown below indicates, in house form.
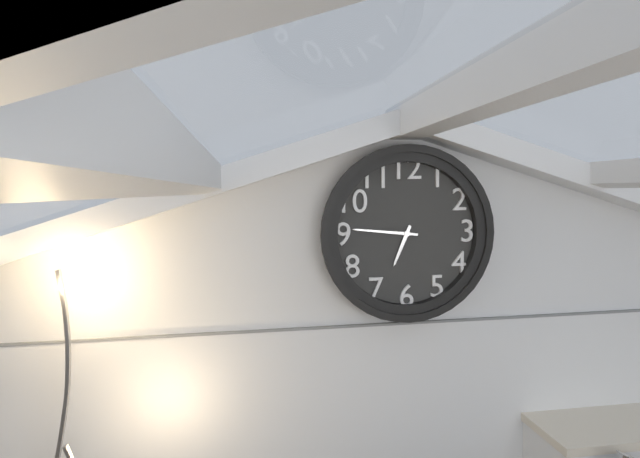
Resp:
h=6 m=46
